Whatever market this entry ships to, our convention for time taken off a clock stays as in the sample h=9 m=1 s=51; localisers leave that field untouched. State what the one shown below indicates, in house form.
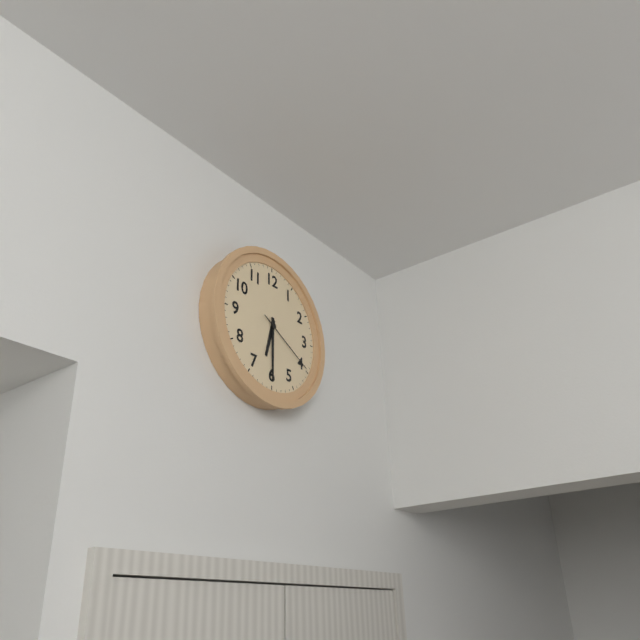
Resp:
h=6 m=30 s=20
